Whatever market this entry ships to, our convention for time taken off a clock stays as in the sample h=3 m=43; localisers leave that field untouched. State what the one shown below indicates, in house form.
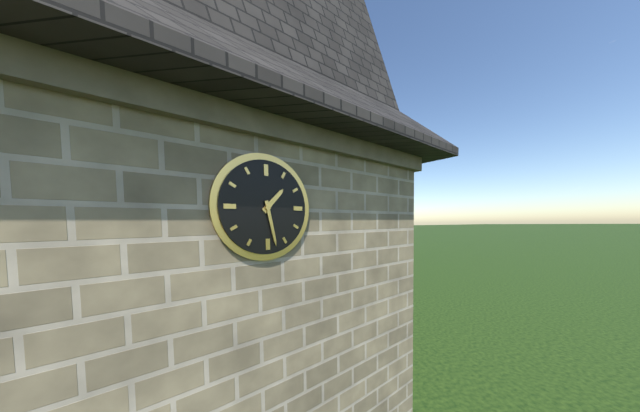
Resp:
h=1 m=28
